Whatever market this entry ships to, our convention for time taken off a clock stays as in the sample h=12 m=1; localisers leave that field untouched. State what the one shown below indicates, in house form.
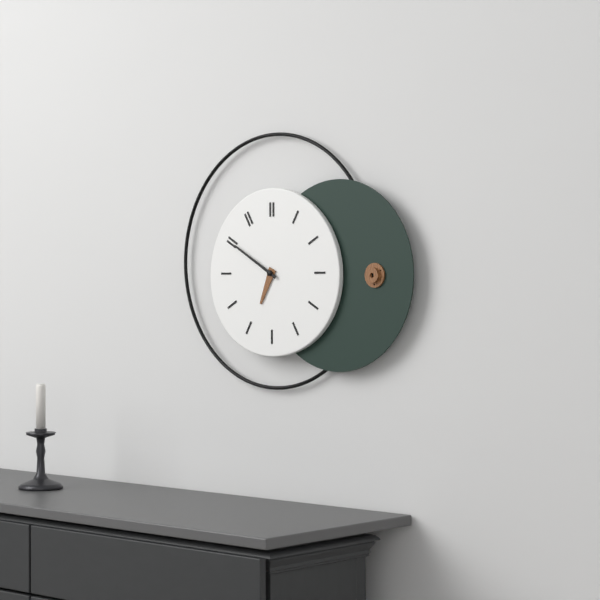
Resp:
h=6 m=50
